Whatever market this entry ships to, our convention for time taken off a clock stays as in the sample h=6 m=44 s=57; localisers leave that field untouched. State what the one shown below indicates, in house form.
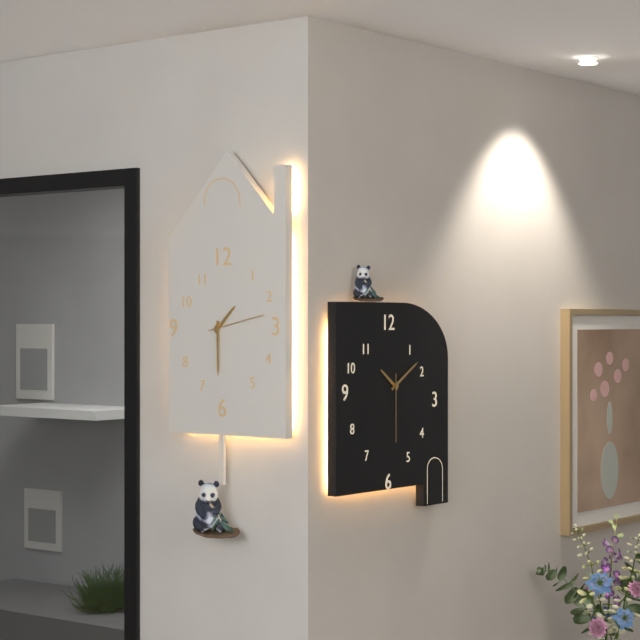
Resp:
h=1 m=30 s=13
